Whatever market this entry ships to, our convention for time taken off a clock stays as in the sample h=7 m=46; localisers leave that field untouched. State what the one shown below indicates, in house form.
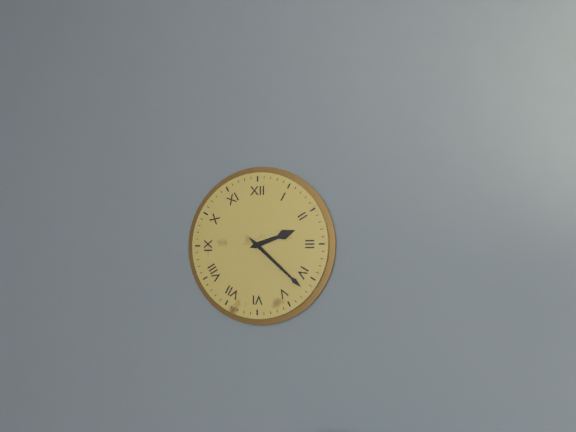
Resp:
h=2 m=22
